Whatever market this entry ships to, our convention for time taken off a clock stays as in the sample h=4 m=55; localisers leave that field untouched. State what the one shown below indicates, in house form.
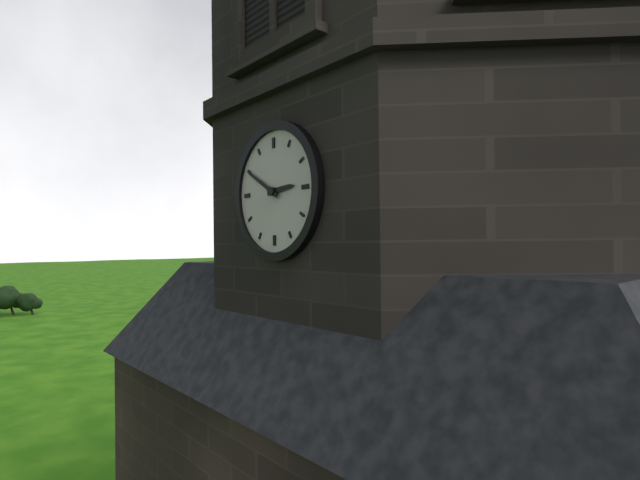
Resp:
h=2 m=50
